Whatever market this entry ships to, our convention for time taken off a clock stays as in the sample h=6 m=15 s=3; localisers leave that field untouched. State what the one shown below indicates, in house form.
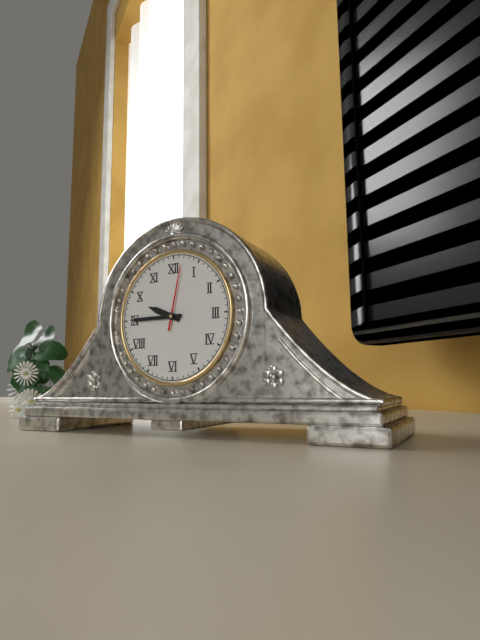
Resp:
h=9 m=45 s=2
